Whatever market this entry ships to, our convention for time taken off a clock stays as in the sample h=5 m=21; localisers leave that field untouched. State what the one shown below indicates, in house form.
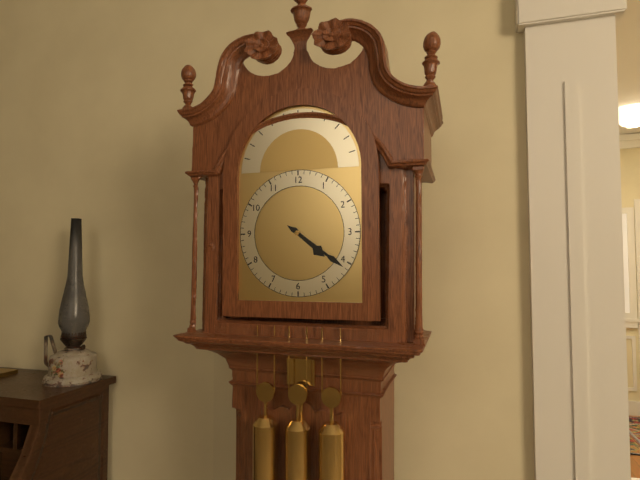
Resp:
h=4 m=21
